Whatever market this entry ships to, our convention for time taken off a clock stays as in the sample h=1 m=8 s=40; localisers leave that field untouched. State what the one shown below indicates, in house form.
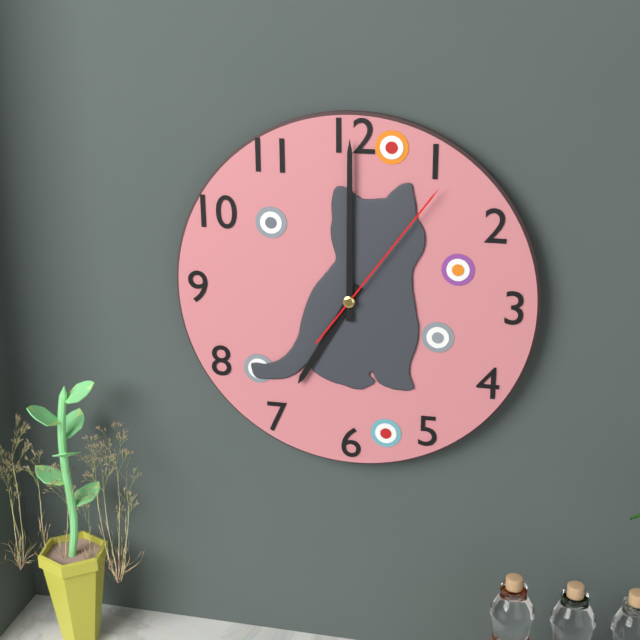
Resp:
h=7 m=0 s=6
